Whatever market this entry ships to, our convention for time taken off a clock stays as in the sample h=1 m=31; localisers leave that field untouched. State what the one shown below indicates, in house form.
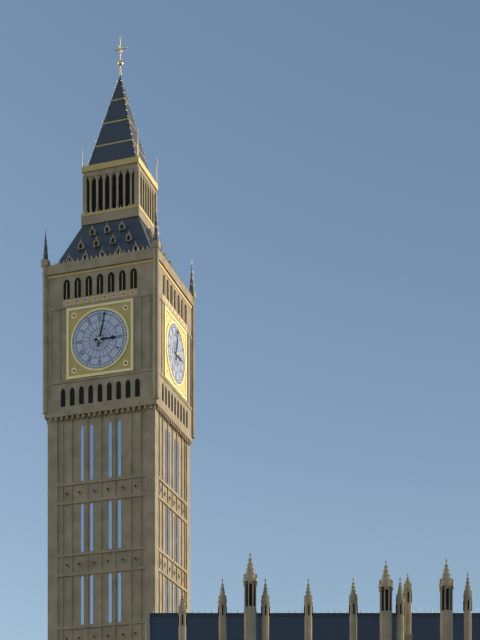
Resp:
h=3 m=2
